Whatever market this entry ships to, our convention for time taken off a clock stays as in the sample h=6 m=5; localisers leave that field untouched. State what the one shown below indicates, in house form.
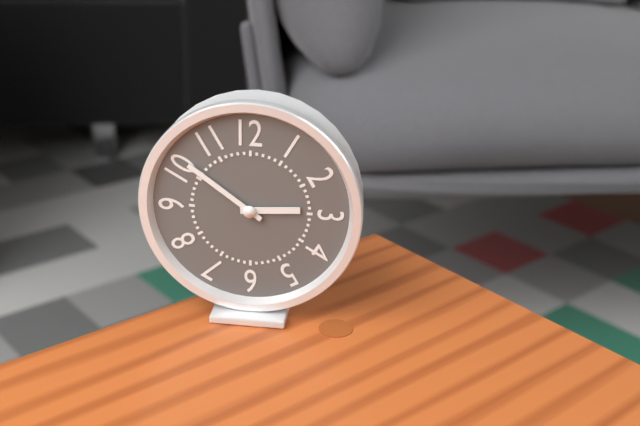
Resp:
h=2 m=51
